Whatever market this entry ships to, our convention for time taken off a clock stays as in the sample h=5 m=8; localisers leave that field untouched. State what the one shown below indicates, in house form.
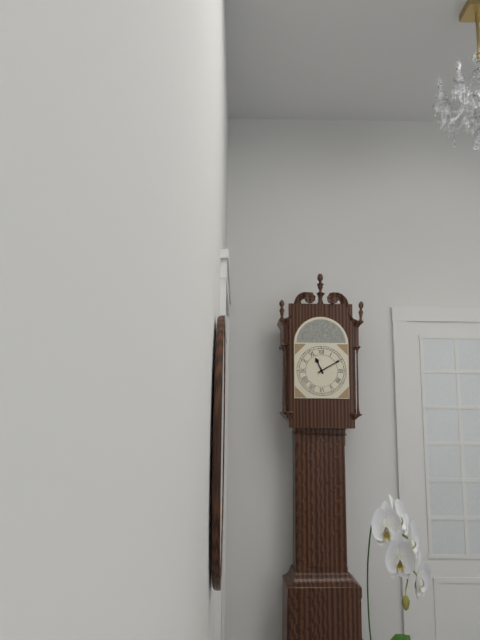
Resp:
h=11 m=10
